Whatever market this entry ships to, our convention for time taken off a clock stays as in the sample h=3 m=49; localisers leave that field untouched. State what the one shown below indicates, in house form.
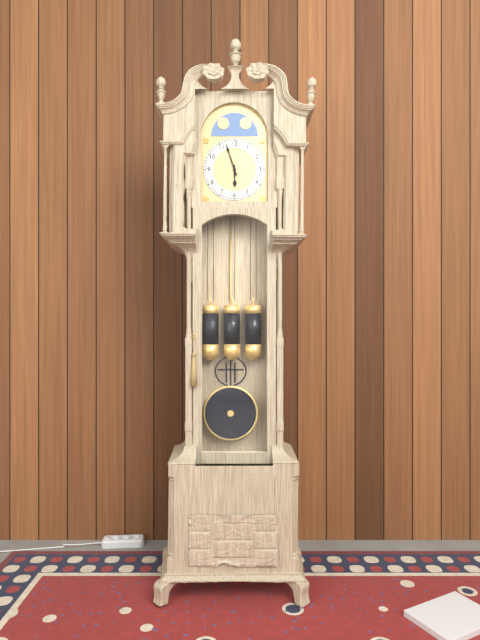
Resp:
h=5 m=57
